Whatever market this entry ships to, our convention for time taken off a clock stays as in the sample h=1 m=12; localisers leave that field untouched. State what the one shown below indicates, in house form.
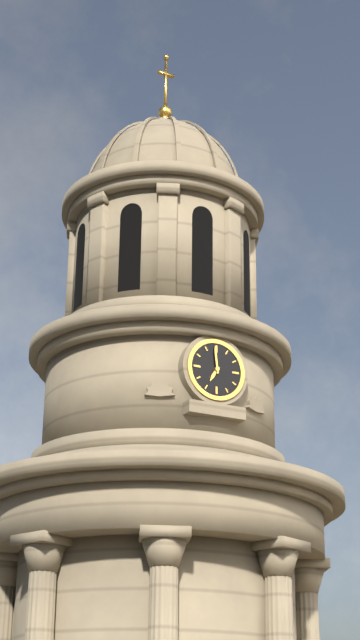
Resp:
h=6 m=59
